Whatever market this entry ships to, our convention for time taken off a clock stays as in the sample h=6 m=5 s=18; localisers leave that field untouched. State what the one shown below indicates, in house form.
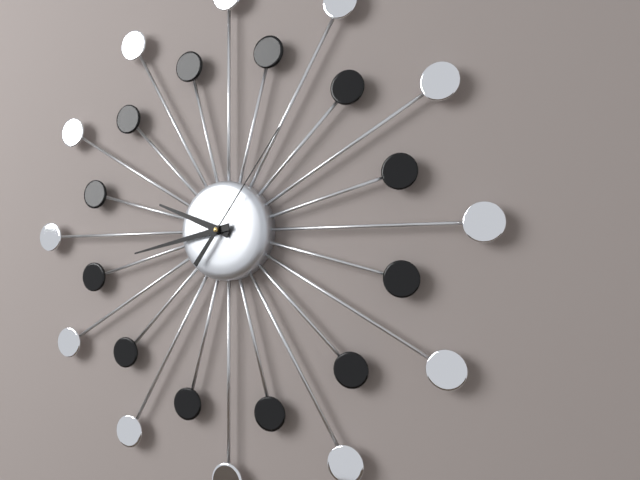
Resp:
h=9 m=43 s=6
